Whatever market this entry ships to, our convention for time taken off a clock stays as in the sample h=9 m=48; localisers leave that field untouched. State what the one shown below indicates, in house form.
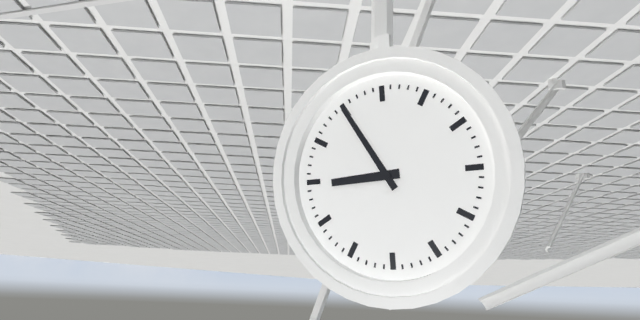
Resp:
h=8 m=55
